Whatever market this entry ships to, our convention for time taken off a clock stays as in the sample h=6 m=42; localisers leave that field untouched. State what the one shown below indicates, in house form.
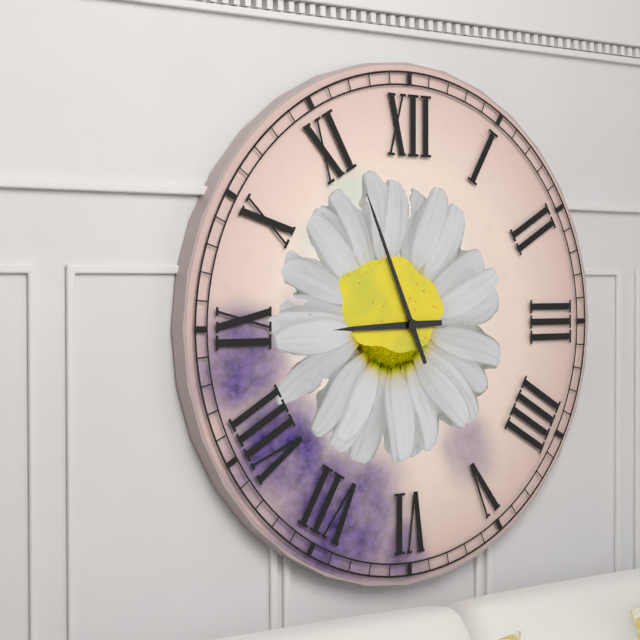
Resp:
h=8 m=56
